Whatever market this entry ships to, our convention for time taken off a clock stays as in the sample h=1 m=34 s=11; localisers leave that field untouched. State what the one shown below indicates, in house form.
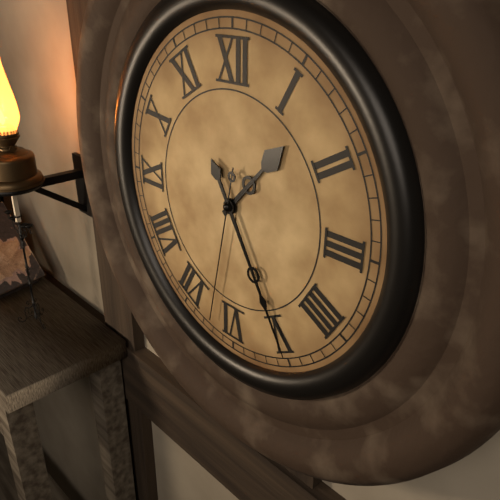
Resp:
h=1 m=25 s=32
